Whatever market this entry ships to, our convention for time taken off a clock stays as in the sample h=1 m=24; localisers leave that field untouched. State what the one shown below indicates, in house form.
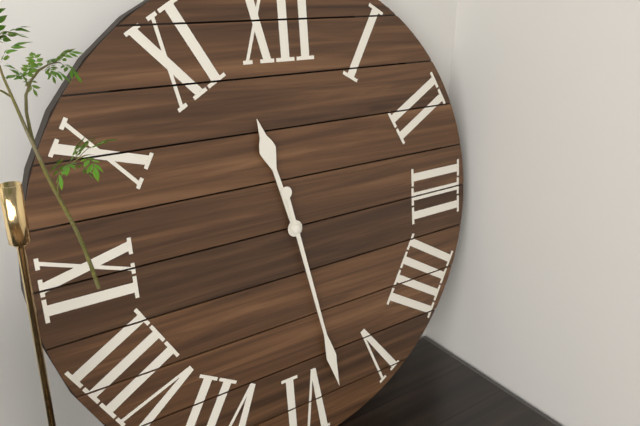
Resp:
h=11 m=28
